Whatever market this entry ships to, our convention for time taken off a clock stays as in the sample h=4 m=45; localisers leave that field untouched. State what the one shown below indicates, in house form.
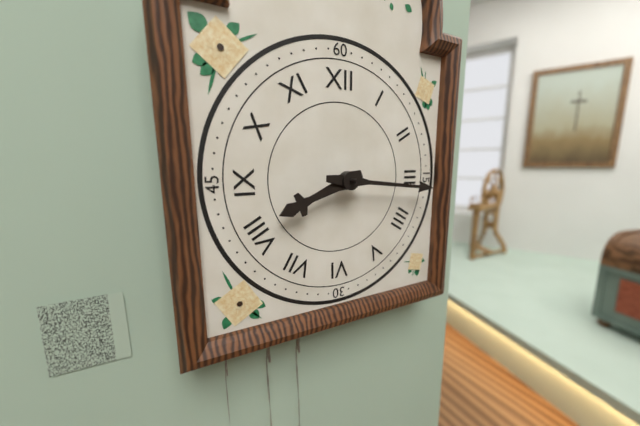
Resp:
h=8 m=16
